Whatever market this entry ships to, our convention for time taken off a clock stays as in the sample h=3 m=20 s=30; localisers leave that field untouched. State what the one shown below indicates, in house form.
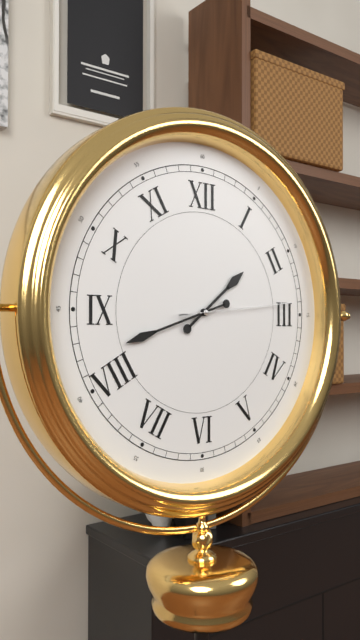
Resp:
h=1 m=42 s=14
